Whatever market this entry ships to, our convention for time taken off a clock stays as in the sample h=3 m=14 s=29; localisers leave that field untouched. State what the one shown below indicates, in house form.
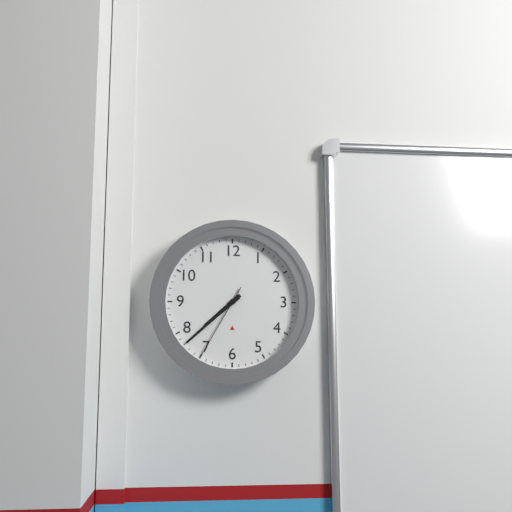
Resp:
h=7 m=38 s=35
